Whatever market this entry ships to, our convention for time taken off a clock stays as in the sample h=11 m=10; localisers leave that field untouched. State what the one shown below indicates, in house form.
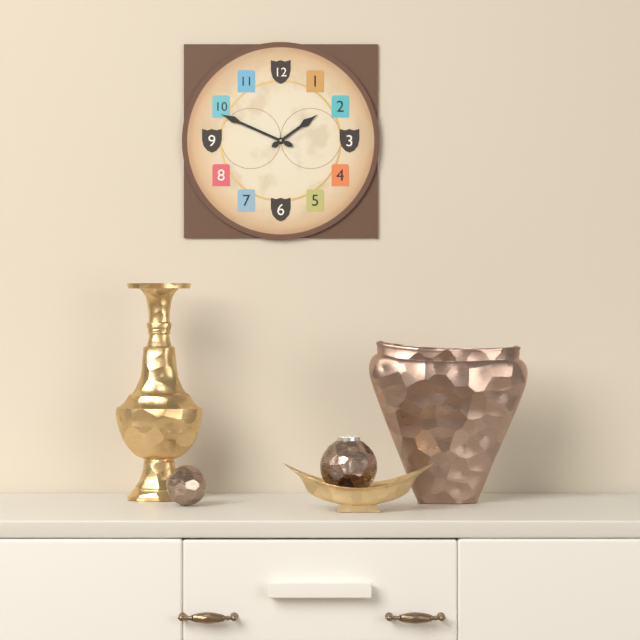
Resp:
h=1 m=49
